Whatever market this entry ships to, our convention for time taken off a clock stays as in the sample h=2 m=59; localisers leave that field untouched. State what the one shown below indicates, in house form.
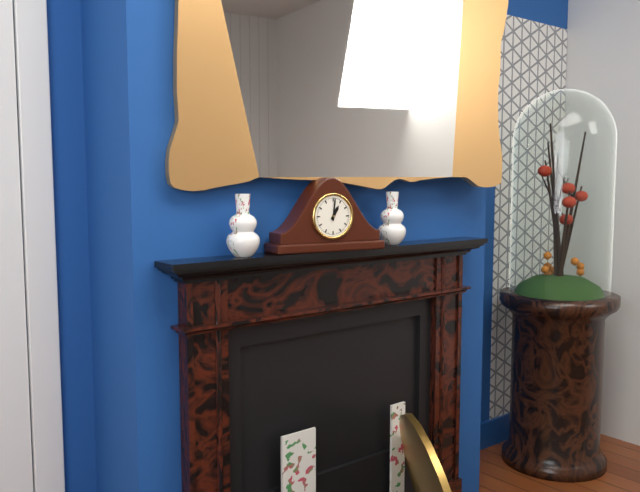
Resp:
h=1 m=1
